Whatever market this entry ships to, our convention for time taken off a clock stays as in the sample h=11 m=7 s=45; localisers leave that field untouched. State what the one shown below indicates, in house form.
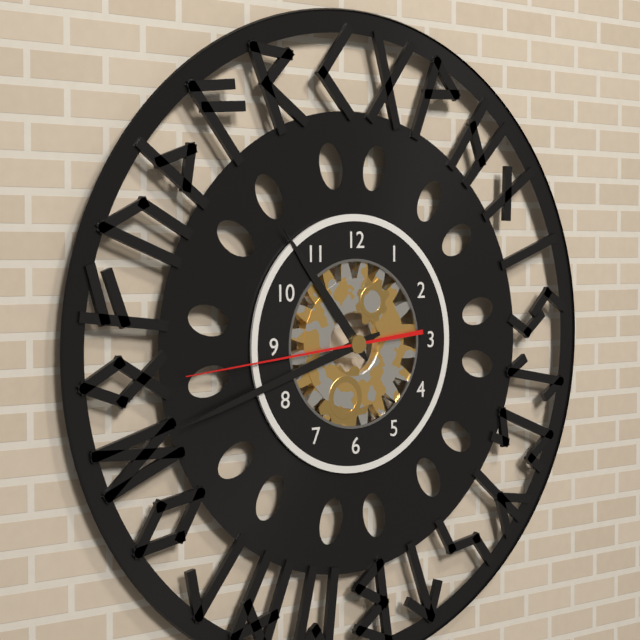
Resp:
h=10 m=42 s=44
